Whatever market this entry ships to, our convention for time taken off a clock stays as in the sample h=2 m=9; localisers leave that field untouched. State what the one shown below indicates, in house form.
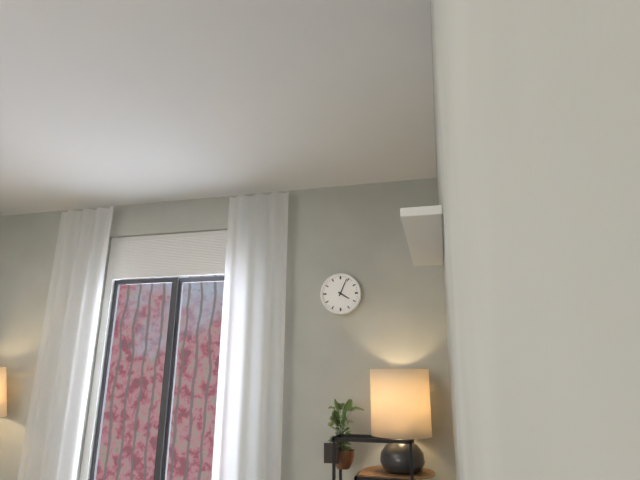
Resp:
h=4 m=4
